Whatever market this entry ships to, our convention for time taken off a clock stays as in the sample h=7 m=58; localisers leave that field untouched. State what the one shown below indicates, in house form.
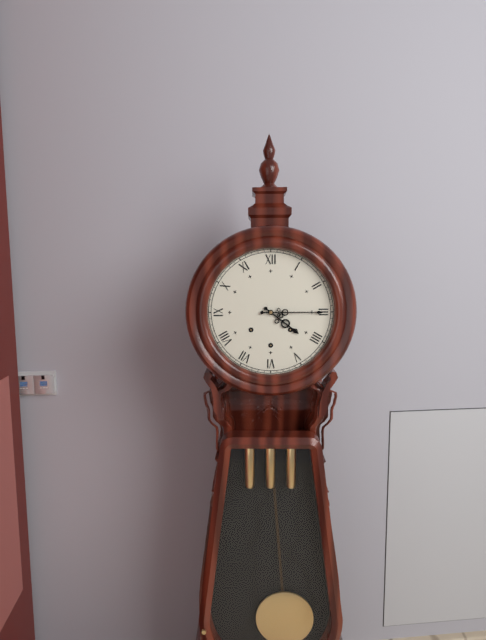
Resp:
h=4 m=15
